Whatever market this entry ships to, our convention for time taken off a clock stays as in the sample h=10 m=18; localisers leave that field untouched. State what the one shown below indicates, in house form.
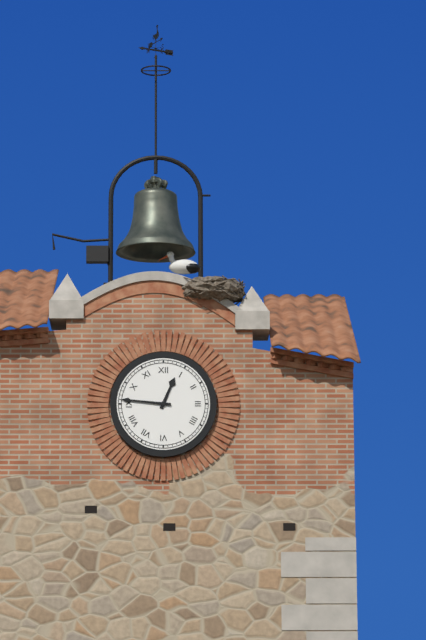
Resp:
h=12 m=46
